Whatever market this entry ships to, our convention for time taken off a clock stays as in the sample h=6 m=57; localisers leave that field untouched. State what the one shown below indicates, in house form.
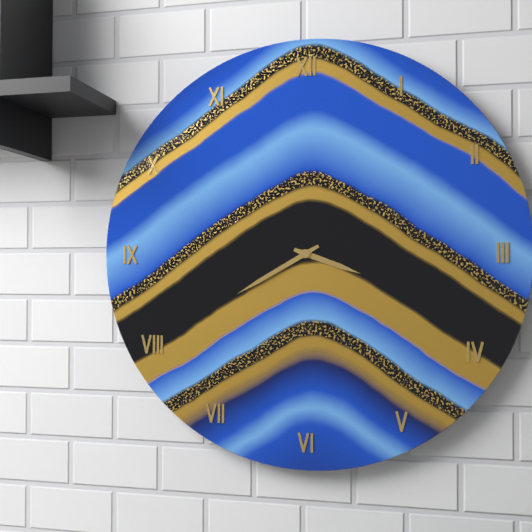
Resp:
h=3 m=40
